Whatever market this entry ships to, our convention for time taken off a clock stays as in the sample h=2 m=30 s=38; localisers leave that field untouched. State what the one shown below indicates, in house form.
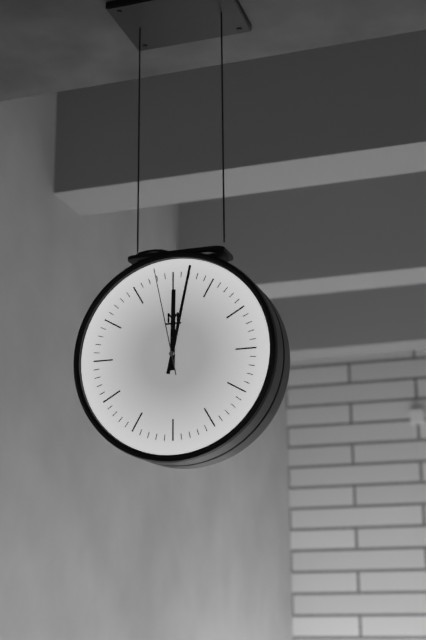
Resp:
h=12 m=2 s=58
